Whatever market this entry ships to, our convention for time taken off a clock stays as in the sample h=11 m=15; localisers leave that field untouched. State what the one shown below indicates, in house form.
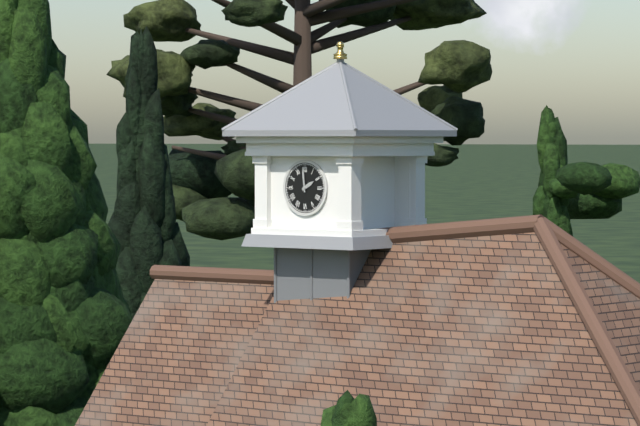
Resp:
h=1 m=59
